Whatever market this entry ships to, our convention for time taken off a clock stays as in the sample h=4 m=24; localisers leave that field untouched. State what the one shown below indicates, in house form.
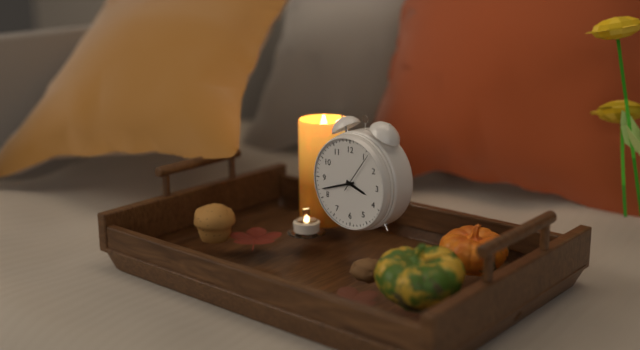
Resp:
h=3 m=42
